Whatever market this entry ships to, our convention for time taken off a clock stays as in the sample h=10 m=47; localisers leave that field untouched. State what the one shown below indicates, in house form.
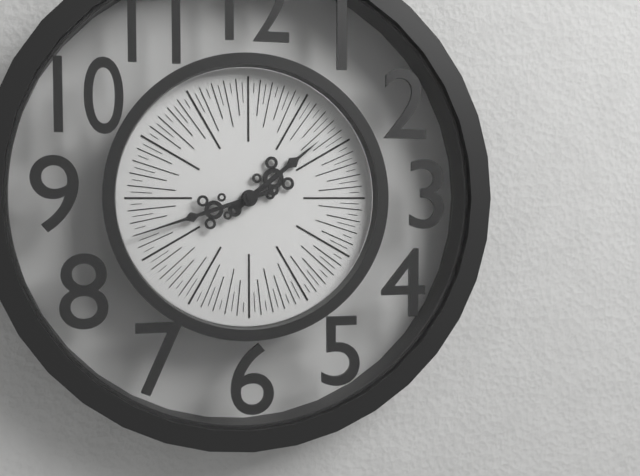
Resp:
h=1 m=42
